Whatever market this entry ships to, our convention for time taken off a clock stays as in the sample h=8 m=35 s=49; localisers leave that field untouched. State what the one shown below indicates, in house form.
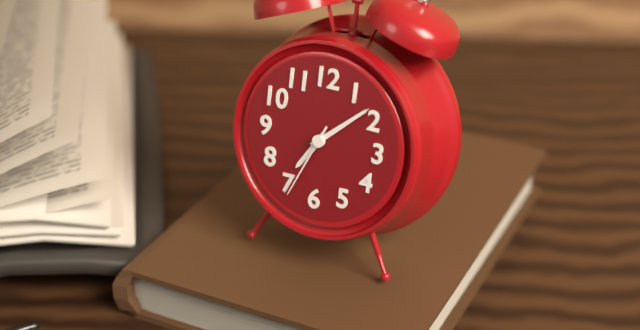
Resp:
h=7 m=8 s=34
